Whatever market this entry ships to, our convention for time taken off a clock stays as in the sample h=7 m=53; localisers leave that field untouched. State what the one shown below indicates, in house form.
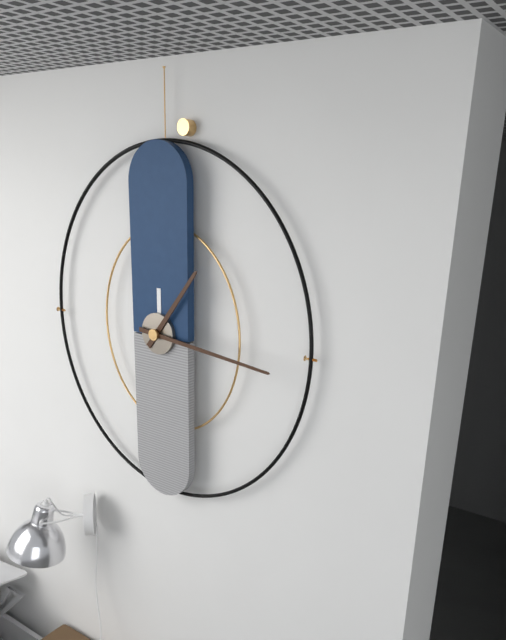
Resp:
h=1 m=16
